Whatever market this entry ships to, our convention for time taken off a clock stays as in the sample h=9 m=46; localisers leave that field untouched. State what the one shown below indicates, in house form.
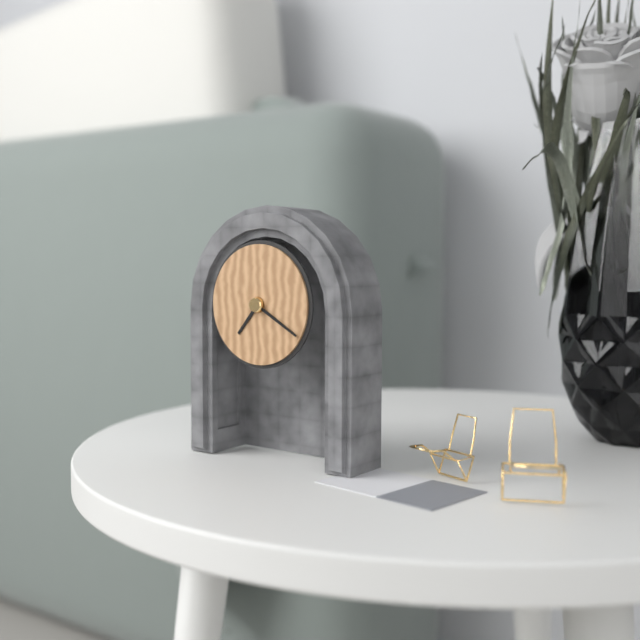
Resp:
h=7 m=20
